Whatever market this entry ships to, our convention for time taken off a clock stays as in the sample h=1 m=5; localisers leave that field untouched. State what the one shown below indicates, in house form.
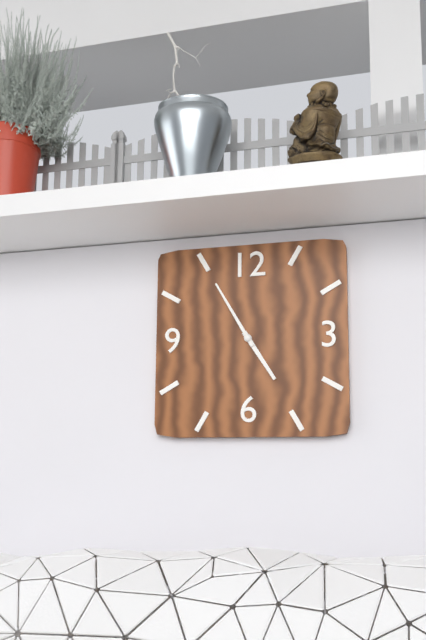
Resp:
h=4 m=55
